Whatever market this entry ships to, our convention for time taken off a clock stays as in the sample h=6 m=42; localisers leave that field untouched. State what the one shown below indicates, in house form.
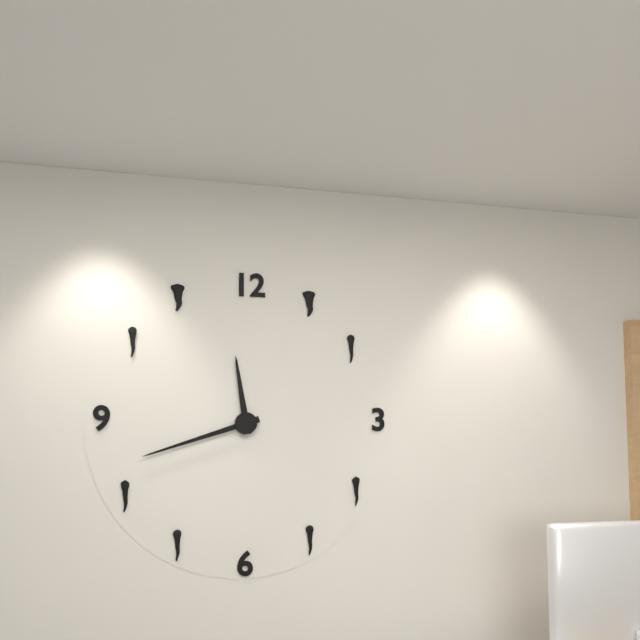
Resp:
h=11 m=42
